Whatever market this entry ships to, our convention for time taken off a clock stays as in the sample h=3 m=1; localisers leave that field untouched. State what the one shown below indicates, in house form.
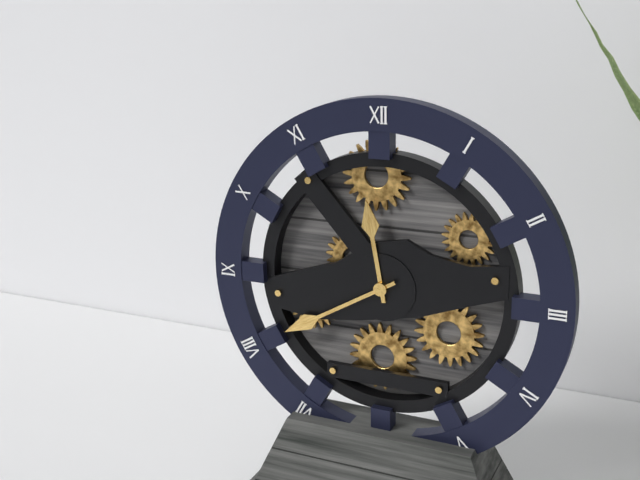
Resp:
h=11 m=40
